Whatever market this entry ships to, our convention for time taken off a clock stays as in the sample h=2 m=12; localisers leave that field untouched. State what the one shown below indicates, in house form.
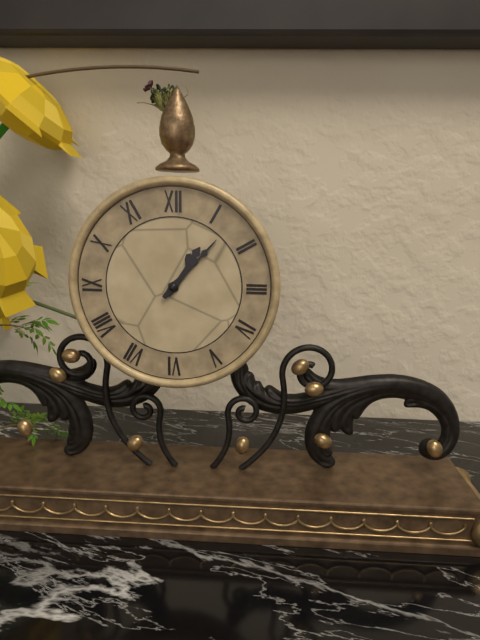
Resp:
h=1 m=7
